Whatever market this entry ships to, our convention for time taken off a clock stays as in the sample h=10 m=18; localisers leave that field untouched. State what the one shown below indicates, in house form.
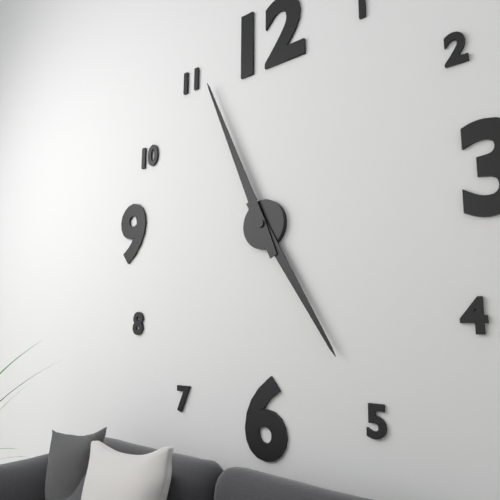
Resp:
h=4 m=56
